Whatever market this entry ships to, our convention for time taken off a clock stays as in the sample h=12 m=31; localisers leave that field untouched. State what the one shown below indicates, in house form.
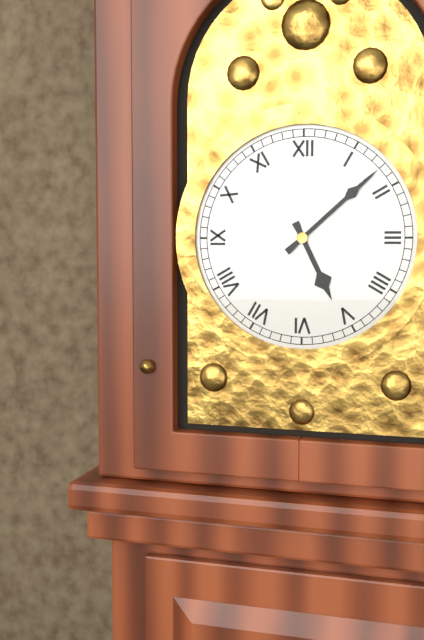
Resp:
h=5 m=8
